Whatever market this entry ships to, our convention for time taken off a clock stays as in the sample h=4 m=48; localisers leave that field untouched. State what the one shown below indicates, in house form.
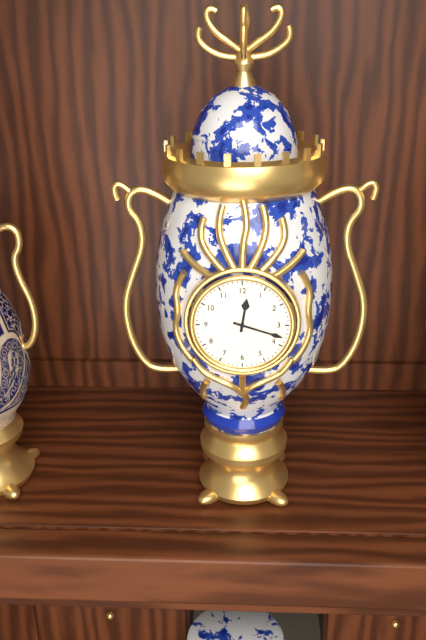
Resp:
h=12 m=18
